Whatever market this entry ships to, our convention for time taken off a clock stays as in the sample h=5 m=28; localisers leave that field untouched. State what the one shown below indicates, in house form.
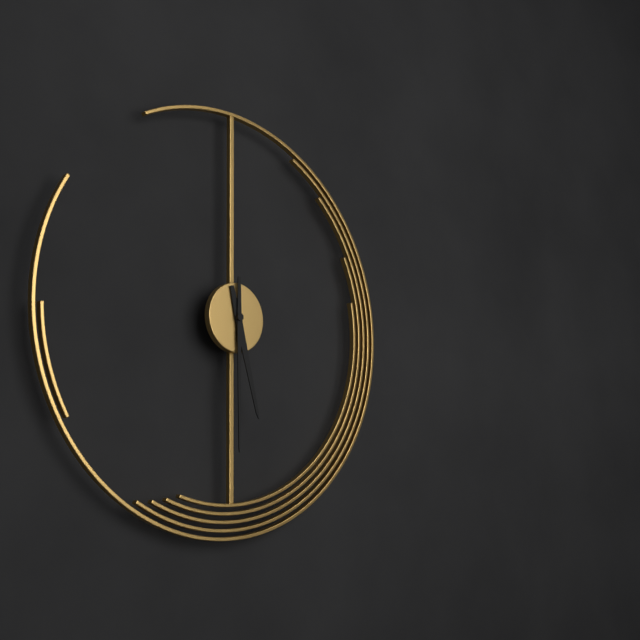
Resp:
h=5 m=30
